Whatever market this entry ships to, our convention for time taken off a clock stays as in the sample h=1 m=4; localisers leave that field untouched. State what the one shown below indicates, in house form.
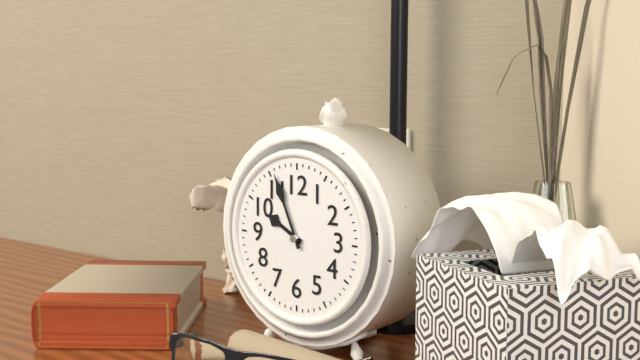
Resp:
h=9 m=56
